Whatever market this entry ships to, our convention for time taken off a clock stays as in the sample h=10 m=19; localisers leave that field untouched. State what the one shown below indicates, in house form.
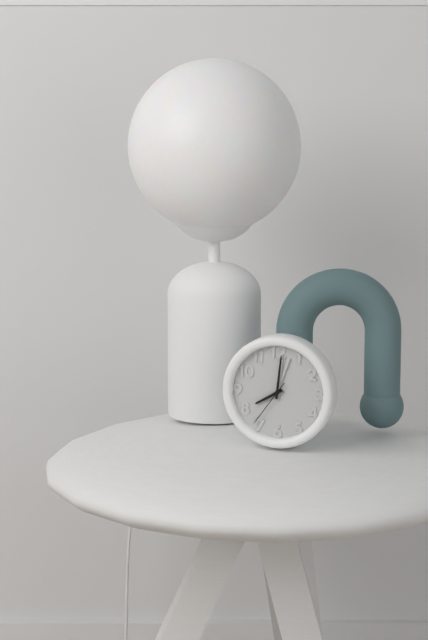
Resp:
h=8 m=1
